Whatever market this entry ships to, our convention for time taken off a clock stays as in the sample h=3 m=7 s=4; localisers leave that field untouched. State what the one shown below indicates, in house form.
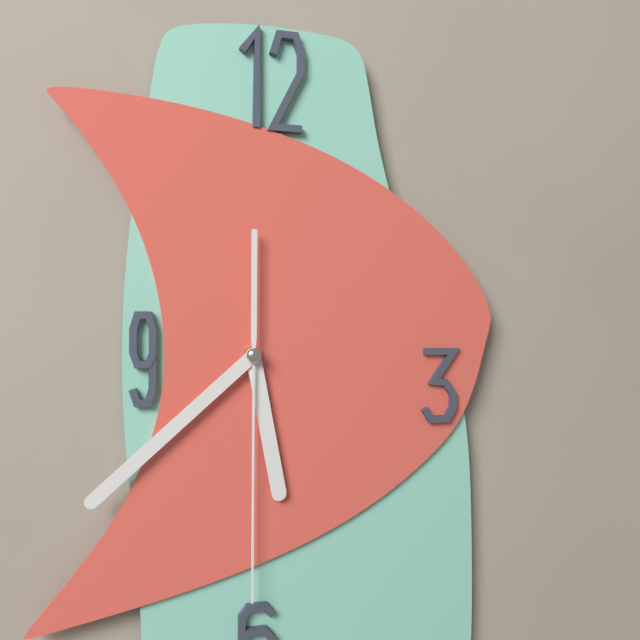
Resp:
h=5 m=38 s=30
